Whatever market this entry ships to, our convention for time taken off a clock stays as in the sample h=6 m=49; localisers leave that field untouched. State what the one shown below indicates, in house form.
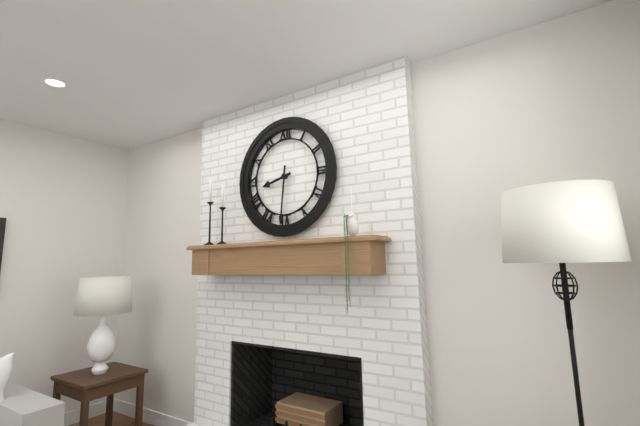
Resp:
h=8 m=31
